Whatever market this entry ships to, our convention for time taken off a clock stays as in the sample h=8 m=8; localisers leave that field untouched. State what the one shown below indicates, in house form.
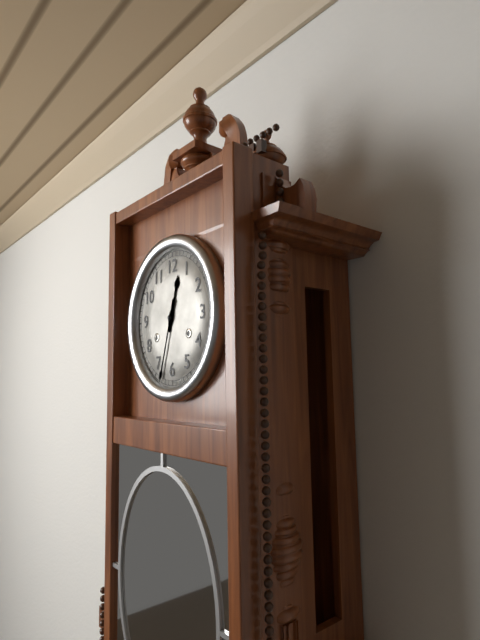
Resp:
h=12 m=33
